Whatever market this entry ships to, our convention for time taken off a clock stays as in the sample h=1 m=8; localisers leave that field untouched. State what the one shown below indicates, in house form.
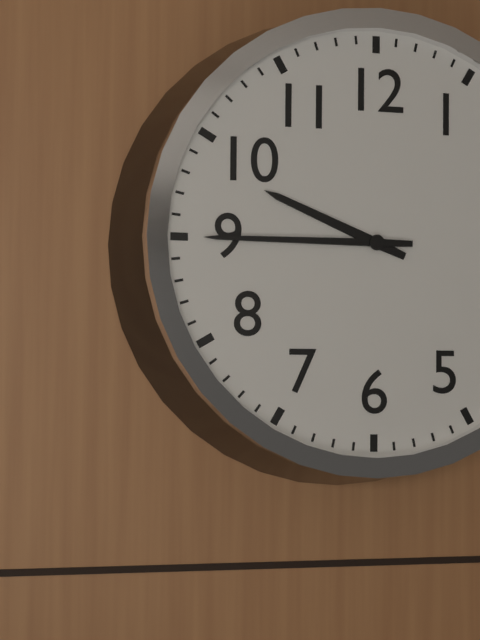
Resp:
h=9 m=45
